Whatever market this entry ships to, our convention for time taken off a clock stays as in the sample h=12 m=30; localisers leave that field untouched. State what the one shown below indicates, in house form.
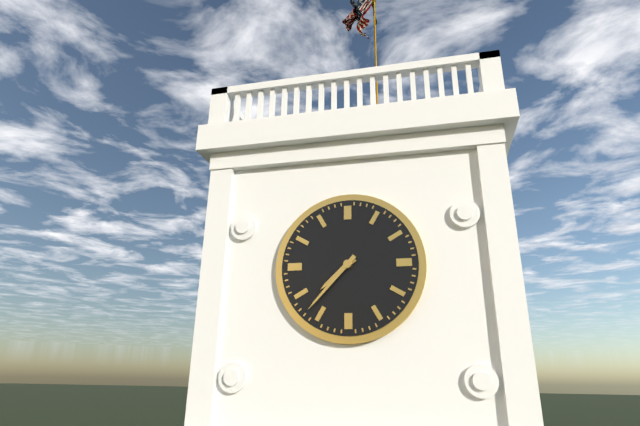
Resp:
h=7 m=37
